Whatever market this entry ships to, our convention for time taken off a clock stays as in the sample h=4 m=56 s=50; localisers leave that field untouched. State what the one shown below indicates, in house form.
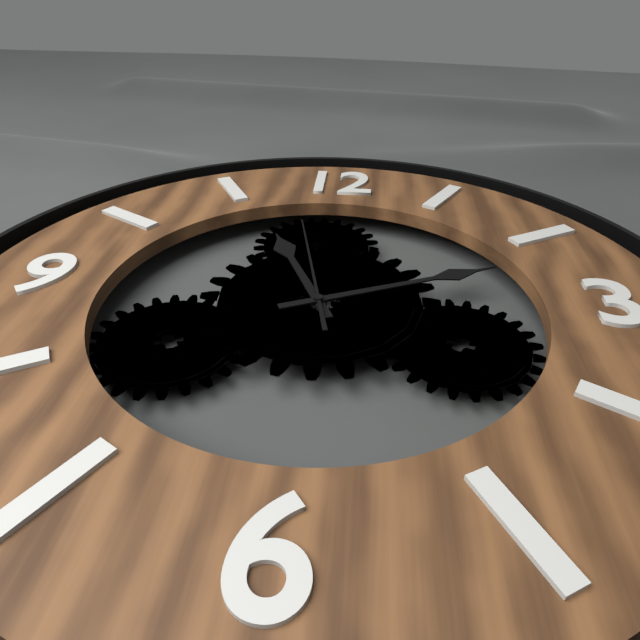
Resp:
h=11 m=11 s=58
